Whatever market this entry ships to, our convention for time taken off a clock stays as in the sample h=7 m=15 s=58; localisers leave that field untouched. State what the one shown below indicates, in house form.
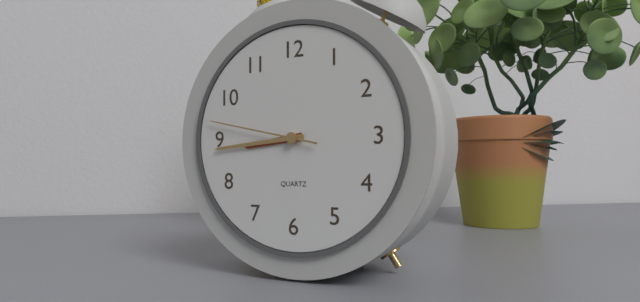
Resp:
h=8 m=44 s=47
